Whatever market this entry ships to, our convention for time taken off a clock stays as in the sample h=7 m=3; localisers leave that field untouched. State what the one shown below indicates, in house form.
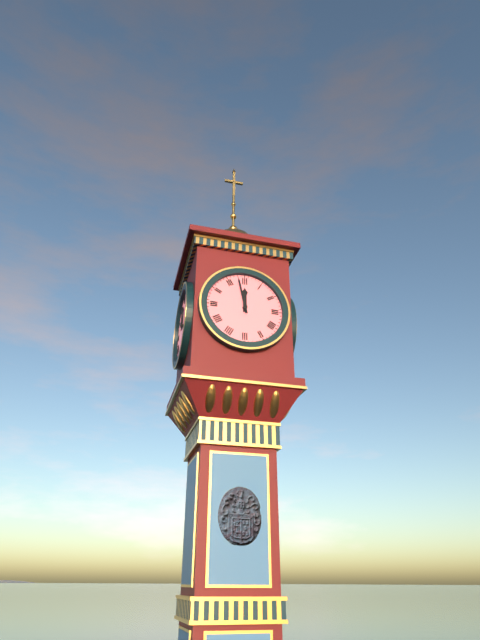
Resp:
h=11 m=58
